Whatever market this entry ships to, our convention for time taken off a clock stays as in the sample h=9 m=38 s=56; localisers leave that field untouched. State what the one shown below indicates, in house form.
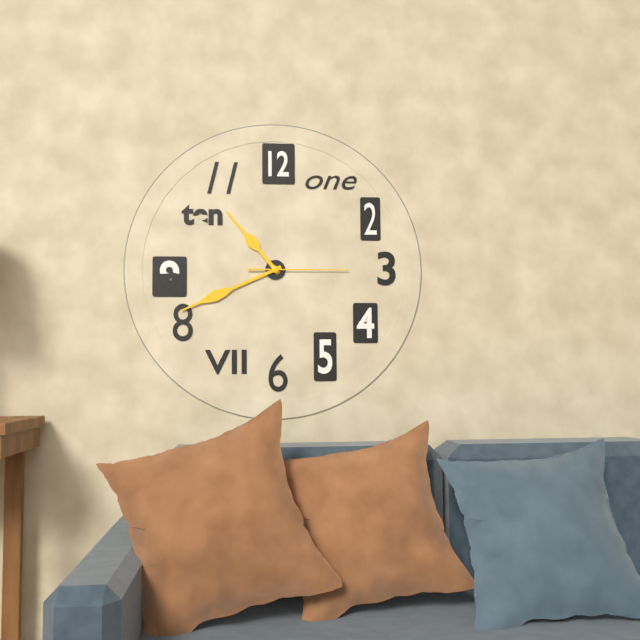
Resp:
h=10 m=41 s=15
